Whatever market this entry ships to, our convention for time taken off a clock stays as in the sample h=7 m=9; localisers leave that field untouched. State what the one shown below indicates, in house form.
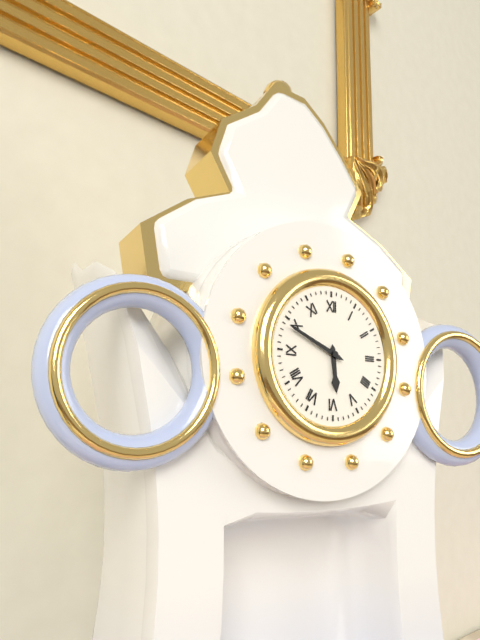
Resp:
h=5 m=49
